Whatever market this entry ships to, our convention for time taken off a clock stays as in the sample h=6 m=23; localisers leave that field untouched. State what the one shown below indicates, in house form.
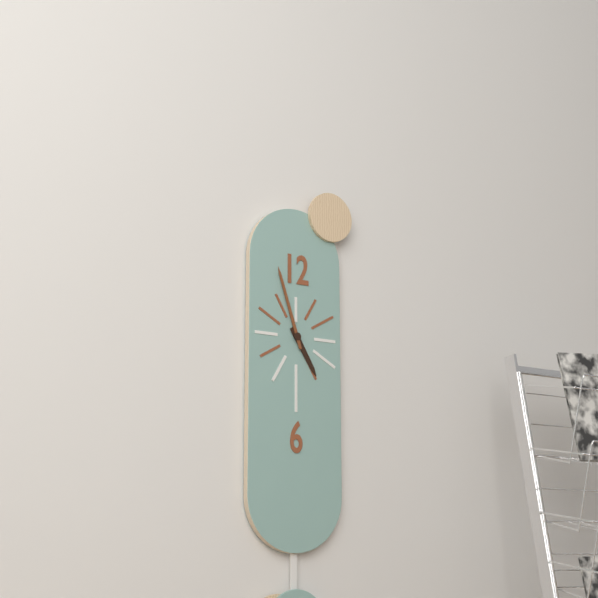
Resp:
h=4 m=57
